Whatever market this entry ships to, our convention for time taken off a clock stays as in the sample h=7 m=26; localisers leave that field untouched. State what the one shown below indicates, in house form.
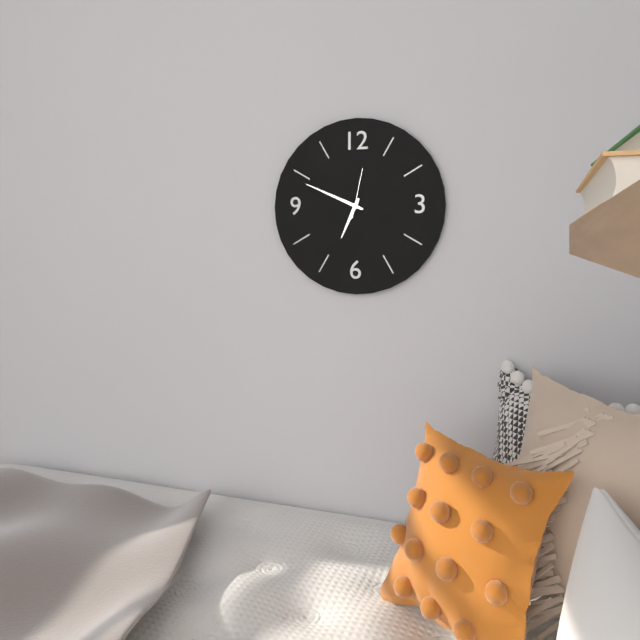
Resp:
h=6 m=49
